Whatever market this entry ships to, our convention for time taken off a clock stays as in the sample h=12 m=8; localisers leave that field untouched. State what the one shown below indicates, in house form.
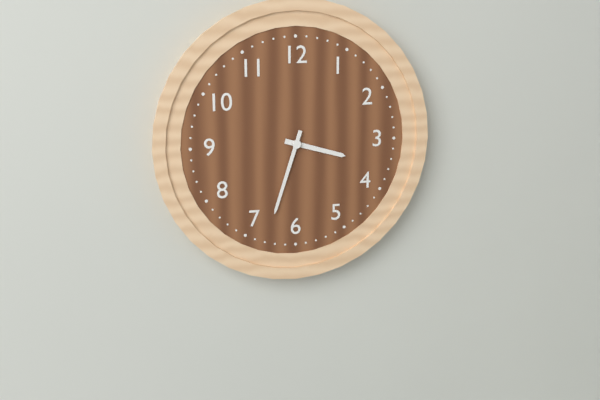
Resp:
h=3 m=33
